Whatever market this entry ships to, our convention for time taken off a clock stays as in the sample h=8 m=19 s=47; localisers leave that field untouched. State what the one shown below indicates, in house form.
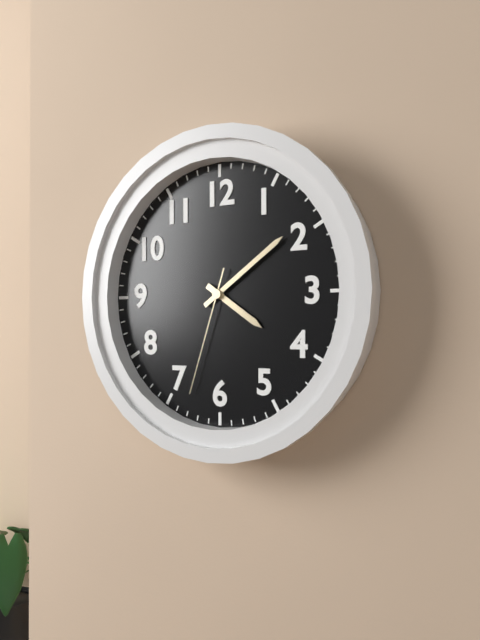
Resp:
h=4 m=9 s=33
